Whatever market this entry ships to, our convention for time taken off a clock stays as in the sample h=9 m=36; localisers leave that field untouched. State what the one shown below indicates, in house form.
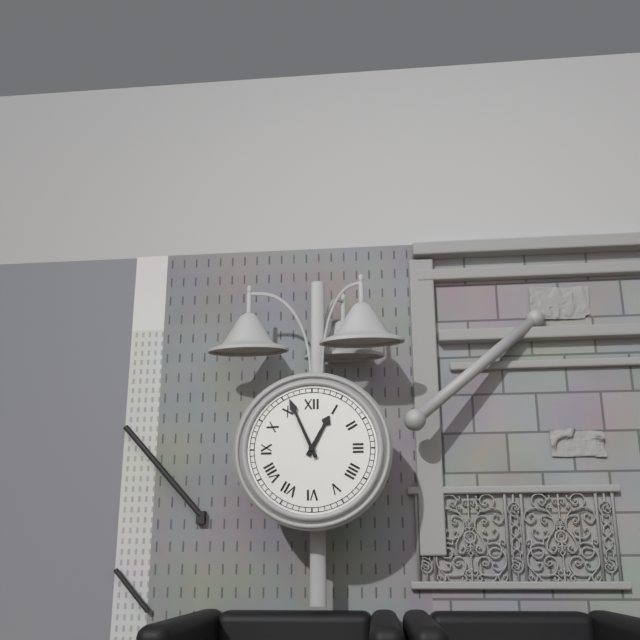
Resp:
h=12 m=56
